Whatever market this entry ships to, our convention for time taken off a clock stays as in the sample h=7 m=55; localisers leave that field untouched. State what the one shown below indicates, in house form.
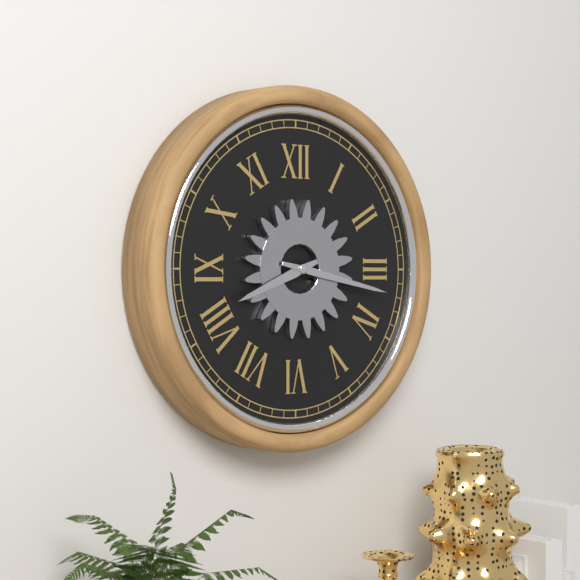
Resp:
h=8 m=17
